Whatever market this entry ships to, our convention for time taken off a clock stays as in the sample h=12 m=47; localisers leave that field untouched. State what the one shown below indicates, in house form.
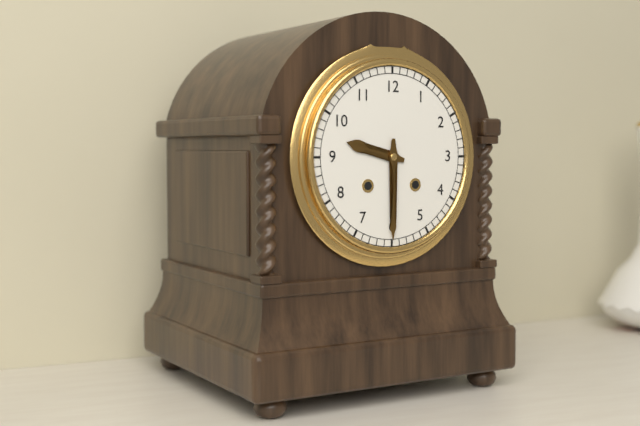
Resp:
h=9 m=30
